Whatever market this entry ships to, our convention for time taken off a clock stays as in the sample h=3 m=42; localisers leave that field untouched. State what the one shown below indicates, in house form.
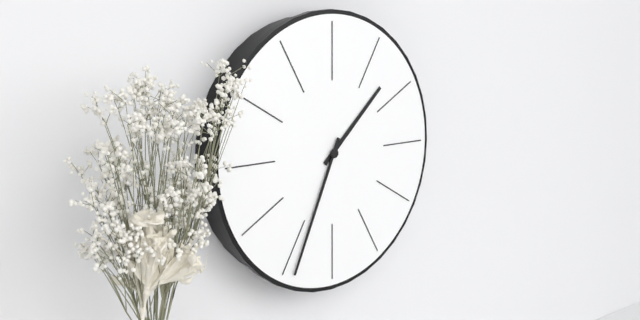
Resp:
h=1 m=34
